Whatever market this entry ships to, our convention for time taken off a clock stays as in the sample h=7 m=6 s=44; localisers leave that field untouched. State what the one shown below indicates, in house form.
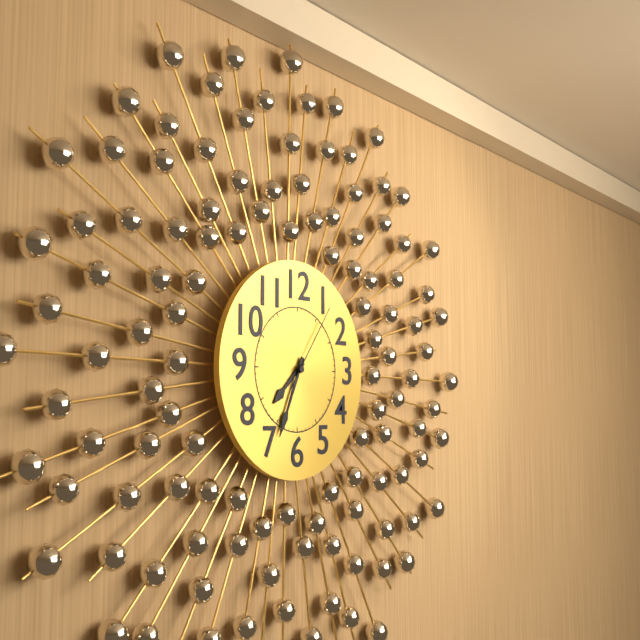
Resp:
h=7 m=34 s=6
